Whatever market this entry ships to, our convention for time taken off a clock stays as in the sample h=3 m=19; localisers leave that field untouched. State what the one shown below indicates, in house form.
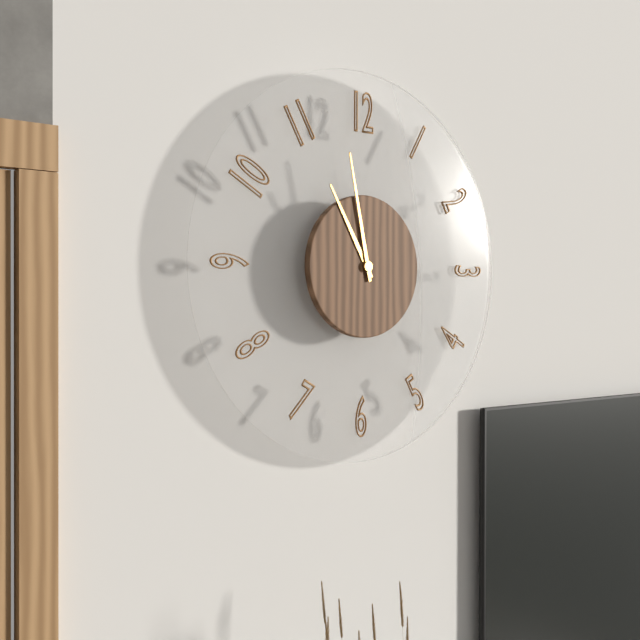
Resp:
h=10 m=58
